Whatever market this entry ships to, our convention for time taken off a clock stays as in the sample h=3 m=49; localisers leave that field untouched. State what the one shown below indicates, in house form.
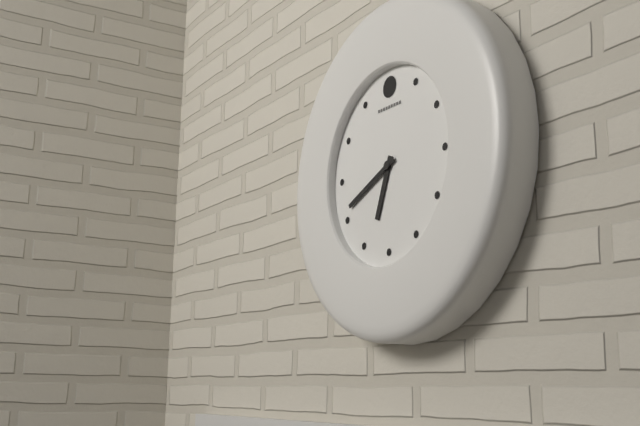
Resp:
h=6 m=41
